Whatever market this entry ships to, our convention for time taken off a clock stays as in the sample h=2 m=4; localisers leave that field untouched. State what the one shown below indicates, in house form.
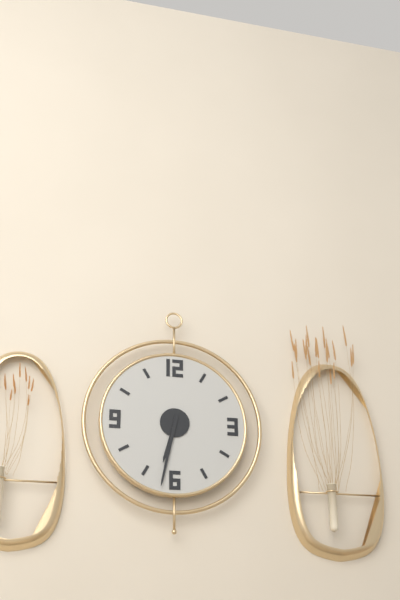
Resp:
h=6 m=32
